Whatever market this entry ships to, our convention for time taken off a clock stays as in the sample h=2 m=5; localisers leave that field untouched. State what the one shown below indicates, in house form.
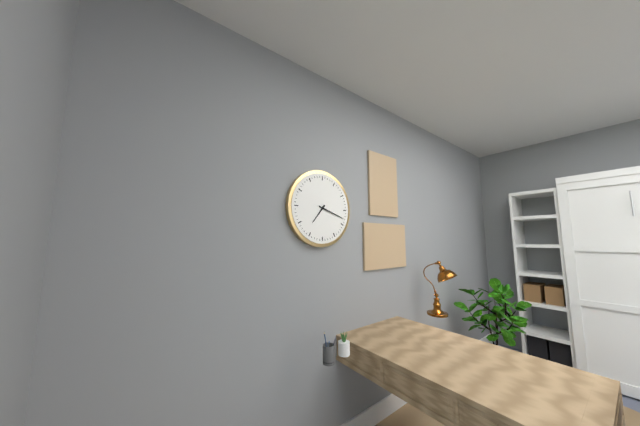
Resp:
h=7 m=18
